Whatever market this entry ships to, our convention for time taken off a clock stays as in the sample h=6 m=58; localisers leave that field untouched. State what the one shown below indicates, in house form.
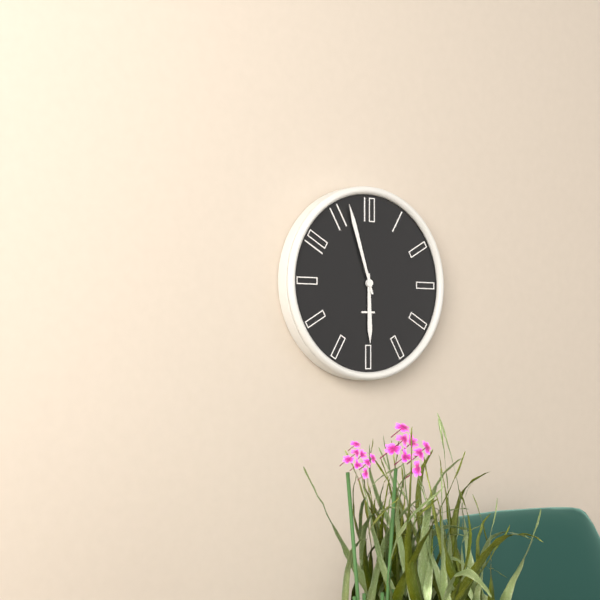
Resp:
h=5 m=57
